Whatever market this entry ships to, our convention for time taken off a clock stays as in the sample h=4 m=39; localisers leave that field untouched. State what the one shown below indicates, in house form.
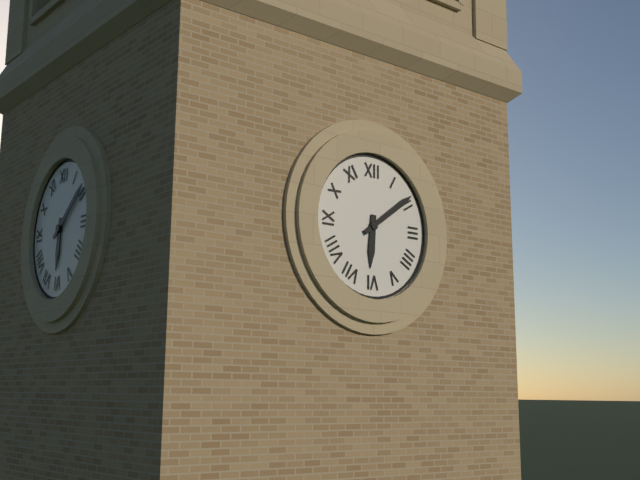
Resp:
h=6 m=9
